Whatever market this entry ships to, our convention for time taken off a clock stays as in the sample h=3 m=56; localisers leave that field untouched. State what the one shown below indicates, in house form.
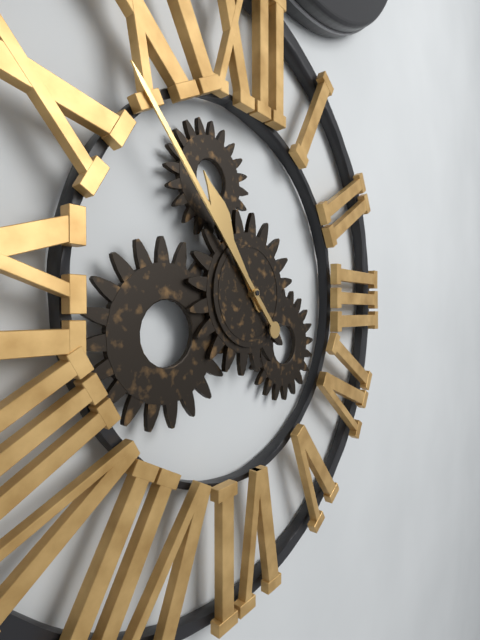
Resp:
h=10 m=53
